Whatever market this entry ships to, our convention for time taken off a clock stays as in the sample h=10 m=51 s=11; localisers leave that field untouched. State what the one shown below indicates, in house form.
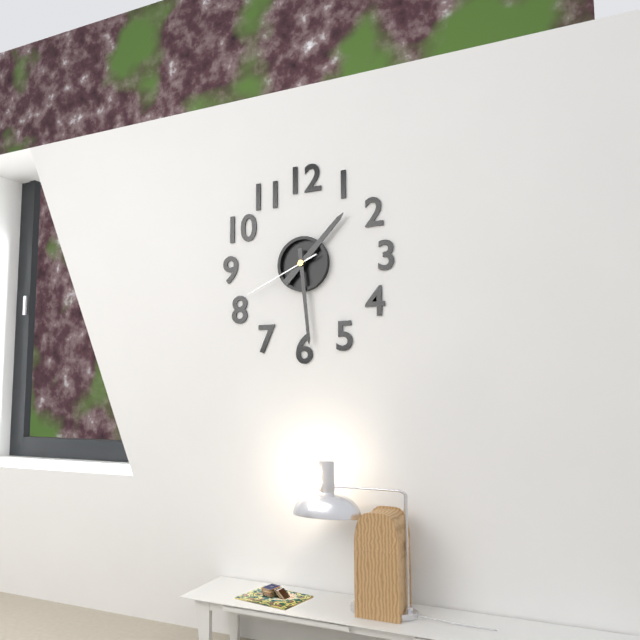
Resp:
h=1 m=29 s=41
